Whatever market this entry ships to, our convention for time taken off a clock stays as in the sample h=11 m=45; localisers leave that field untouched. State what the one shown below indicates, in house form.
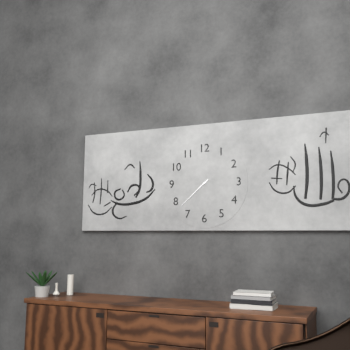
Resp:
h=7 m=38
